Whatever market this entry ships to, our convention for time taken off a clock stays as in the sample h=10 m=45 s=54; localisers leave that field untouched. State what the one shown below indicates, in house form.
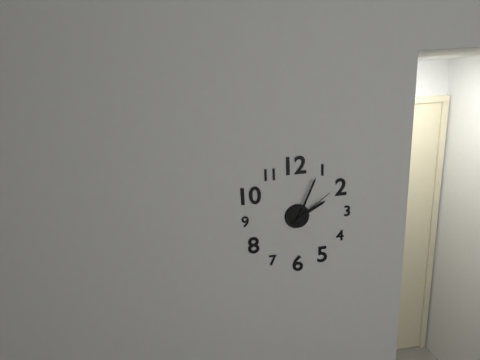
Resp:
h=2 m=4 s=9
